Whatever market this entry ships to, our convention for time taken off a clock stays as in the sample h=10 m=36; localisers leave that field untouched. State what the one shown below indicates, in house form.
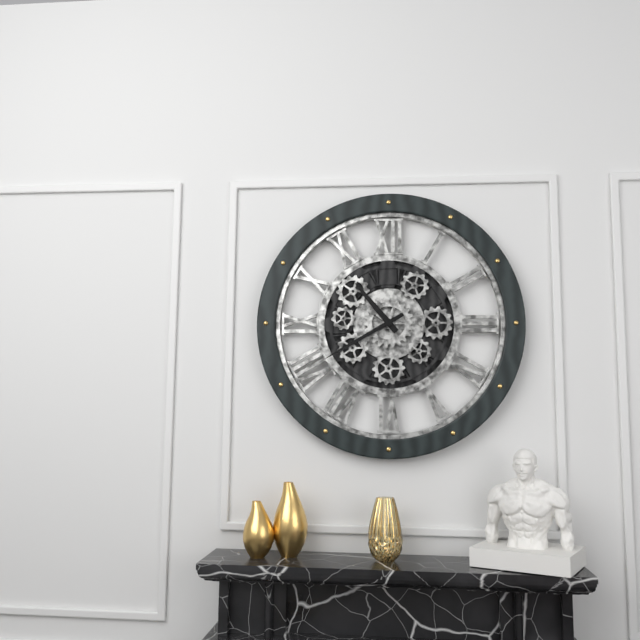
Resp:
h=10 m=40
